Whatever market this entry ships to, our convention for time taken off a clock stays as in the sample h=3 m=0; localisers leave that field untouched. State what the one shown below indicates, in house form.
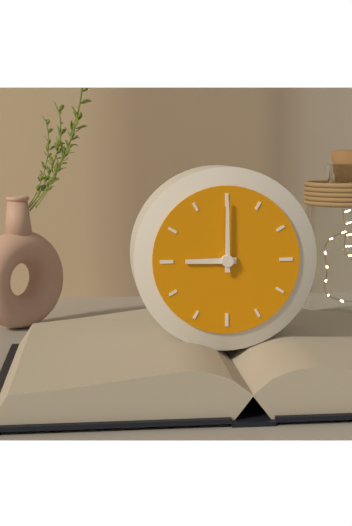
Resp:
h=9 m=0
